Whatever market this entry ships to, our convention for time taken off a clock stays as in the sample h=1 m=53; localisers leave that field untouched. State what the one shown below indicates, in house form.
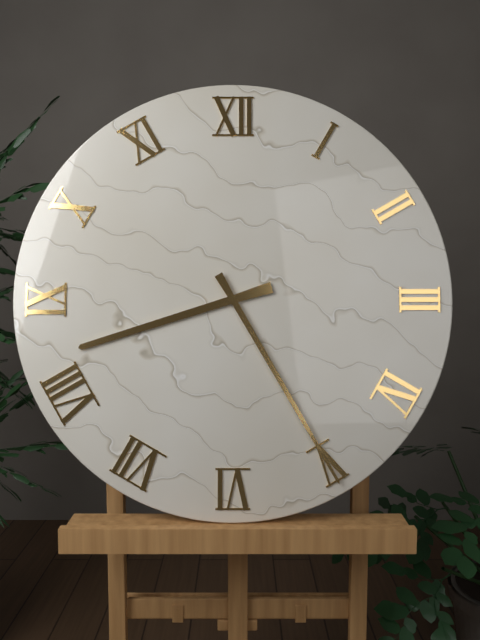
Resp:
h=8 m=25
